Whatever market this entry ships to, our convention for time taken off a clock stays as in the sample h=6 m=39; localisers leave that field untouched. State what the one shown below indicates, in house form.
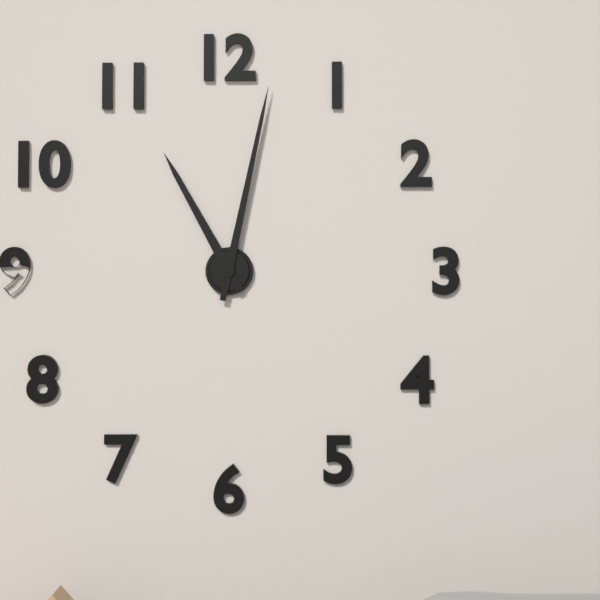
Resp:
h=11 m=2
